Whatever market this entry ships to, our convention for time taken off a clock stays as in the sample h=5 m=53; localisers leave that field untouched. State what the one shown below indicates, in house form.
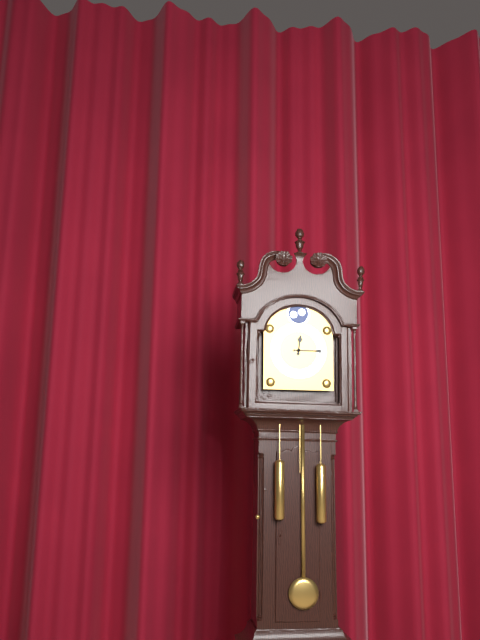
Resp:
h=12 m=15
